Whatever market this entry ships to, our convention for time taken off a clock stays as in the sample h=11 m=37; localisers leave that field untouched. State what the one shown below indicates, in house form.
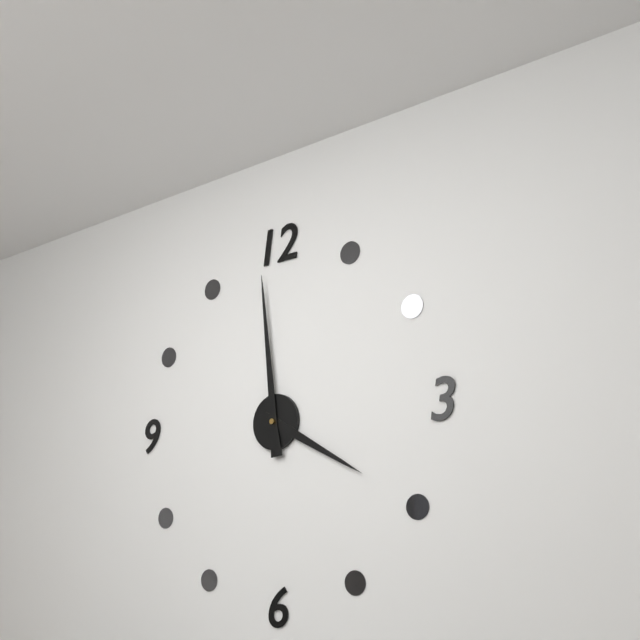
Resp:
h=3 m=59
